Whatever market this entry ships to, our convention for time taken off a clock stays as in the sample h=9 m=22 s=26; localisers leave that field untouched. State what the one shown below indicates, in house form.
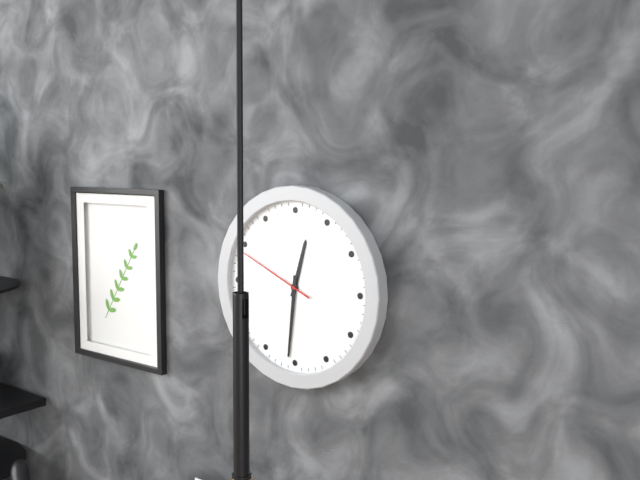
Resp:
h=12 m=31 s=49
